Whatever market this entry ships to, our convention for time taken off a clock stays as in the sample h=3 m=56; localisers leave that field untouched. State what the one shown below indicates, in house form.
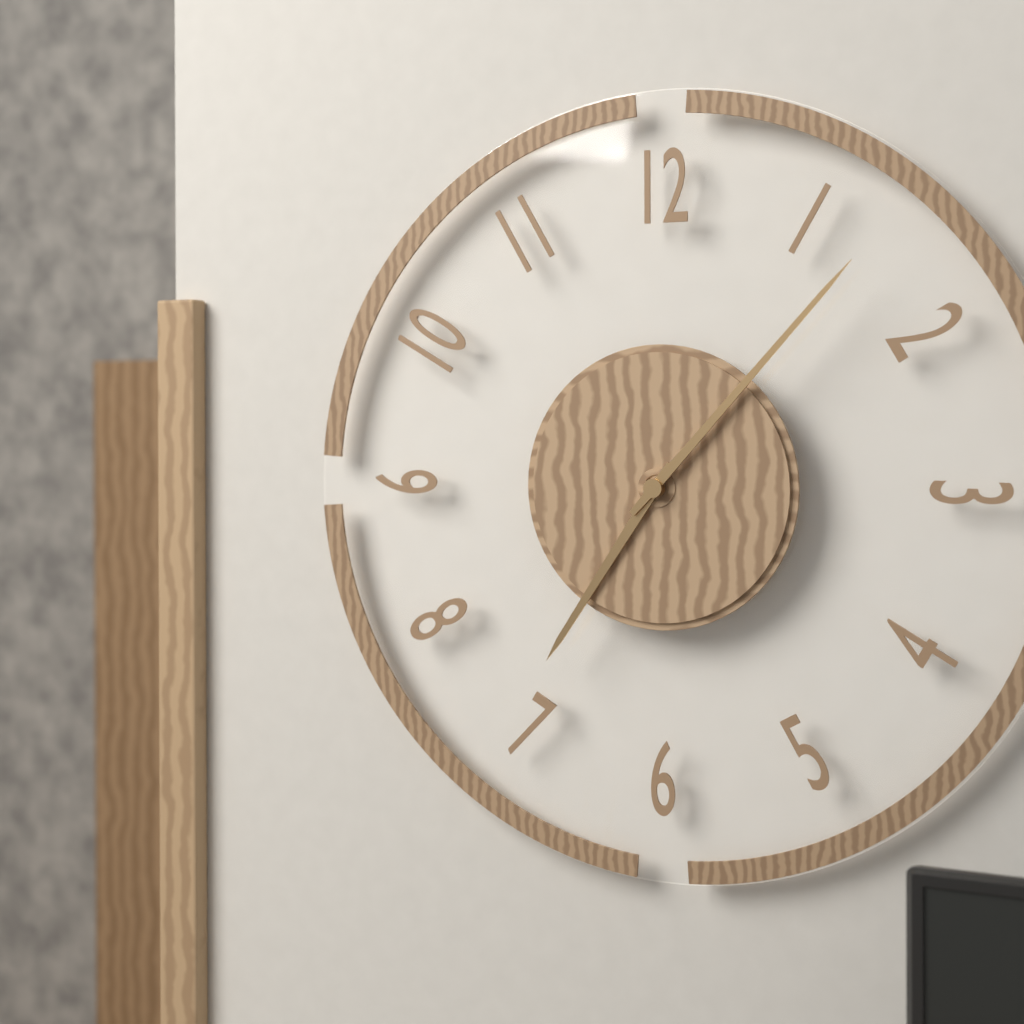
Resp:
h=7 m=7
